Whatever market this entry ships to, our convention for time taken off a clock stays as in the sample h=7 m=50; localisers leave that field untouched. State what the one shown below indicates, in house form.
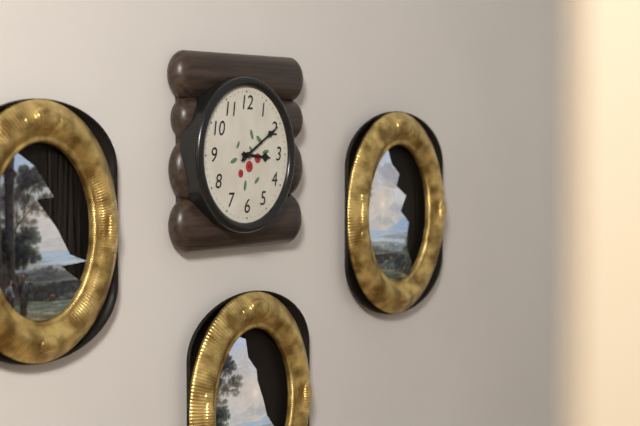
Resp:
h=3 m=10
